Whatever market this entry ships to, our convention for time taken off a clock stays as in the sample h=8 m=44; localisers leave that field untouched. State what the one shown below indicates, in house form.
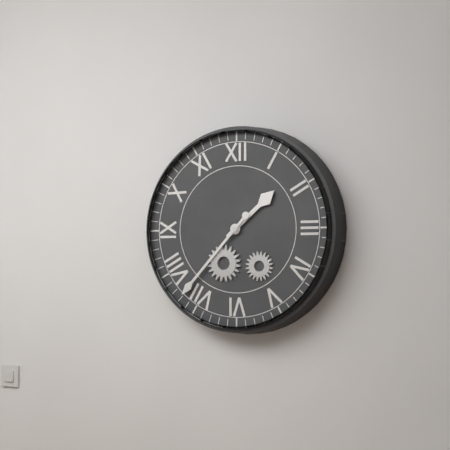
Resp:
h=1 m=37
